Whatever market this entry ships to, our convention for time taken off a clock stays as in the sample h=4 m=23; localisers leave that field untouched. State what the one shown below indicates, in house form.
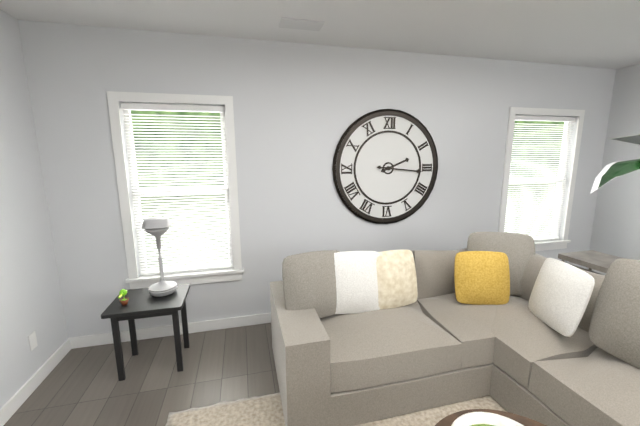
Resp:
h=2 m=16
